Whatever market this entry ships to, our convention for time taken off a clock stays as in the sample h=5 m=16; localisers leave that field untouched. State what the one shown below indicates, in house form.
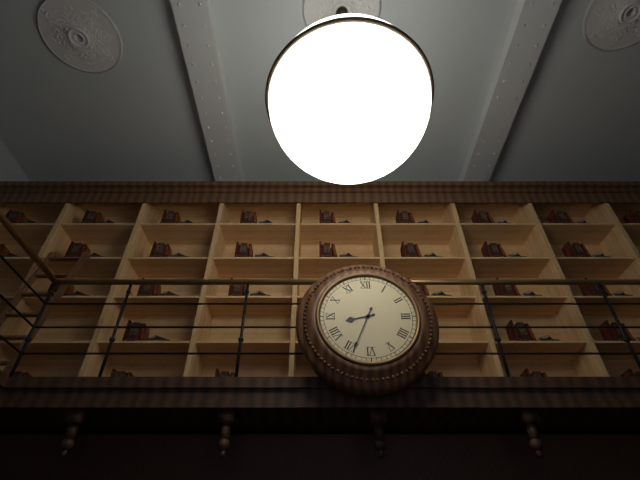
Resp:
h=8 m=34
